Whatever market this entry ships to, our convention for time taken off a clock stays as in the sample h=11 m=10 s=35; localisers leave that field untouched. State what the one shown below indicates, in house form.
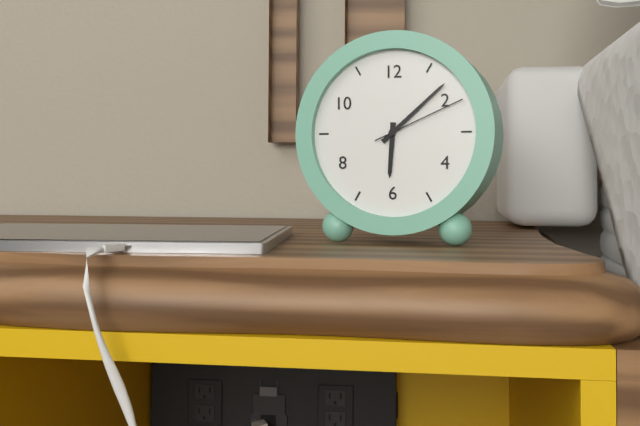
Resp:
h=6 m=8 s=11
